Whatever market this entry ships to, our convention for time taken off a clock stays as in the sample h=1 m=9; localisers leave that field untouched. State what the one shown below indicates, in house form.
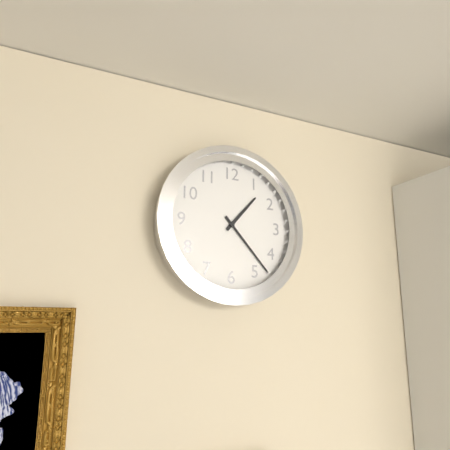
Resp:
h=1 m=23
